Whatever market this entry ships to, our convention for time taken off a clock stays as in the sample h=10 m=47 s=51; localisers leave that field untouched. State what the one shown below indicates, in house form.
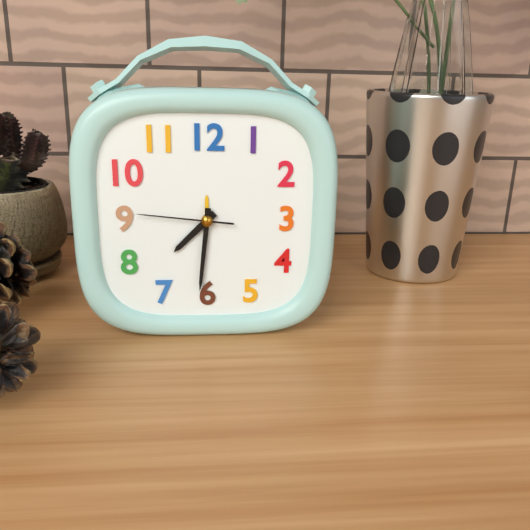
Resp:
h=7 m=31 s=46
